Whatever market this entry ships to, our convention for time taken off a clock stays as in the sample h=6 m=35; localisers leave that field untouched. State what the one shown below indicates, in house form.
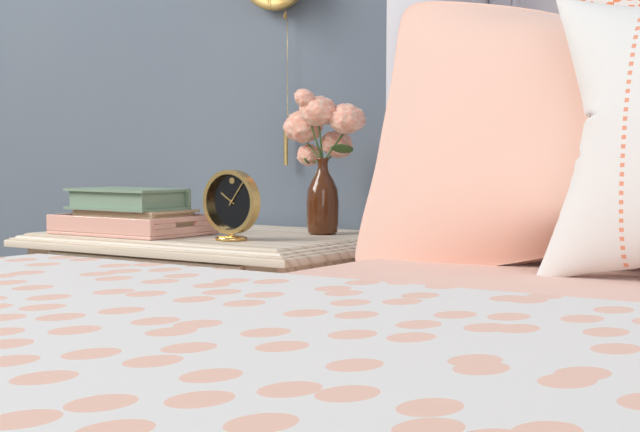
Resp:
h=10 m=6
